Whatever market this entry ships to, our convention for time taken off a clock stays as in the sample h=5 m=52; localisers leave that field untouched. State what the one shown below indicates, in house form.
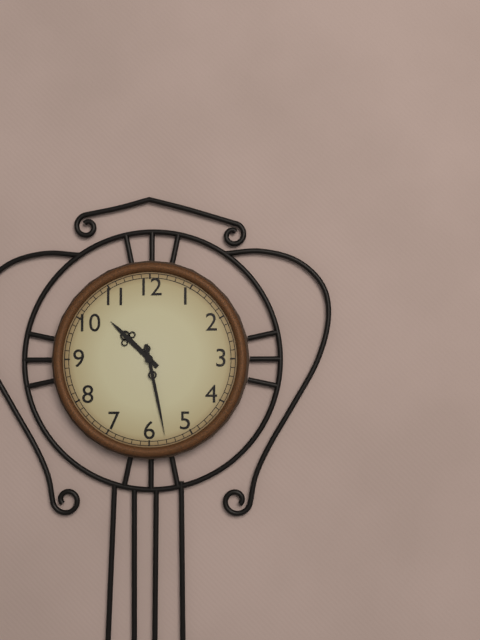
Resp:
h=10 m=28
